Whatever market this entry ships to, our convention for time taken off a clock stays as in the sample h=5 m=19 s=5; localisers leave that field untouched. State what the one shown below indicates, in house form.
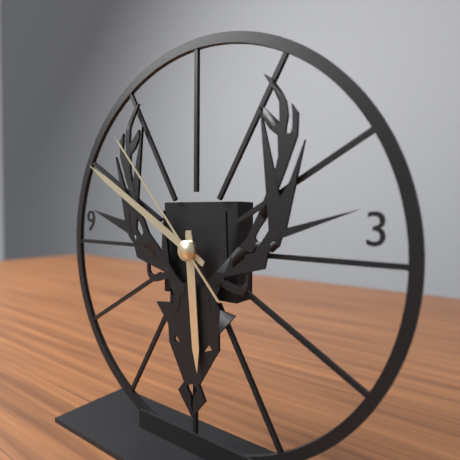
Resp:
h=5 m=50 s=53
